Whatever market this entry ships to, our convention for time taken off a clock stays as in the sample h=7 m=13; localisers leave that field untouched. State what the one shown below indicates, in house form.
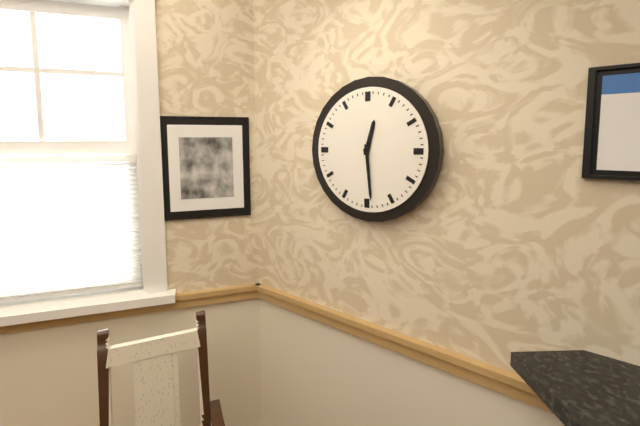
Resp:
h=12 m=29
